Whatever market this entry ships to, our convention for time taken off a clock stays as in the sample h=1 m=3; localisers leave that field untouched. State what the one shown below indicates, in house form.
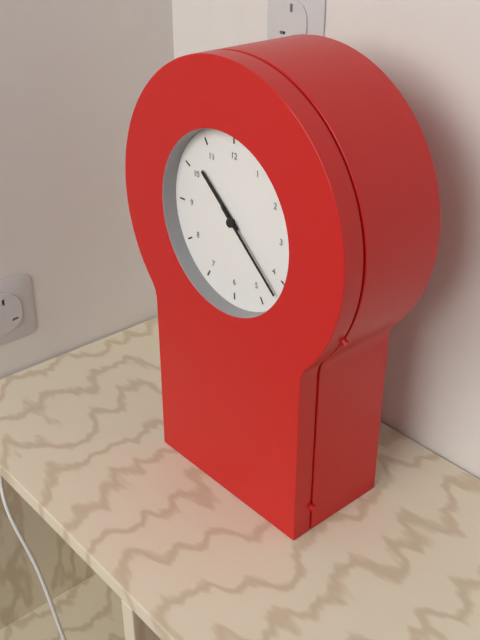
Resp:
h=10 m=22
